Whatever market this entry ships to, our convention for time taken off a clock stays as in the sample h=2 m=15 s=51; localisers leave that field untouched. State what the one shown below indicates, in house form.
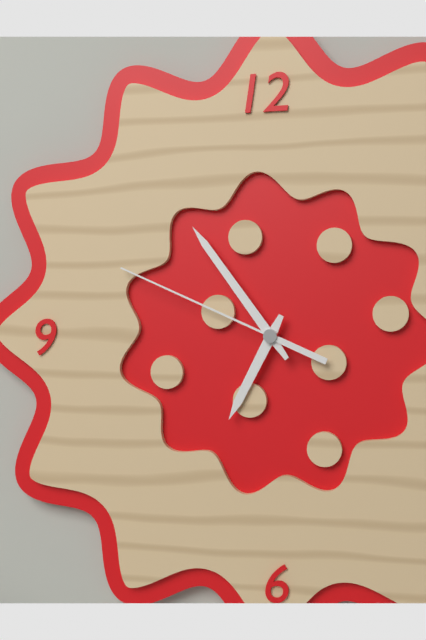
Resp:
h=6 m=54 s=49
